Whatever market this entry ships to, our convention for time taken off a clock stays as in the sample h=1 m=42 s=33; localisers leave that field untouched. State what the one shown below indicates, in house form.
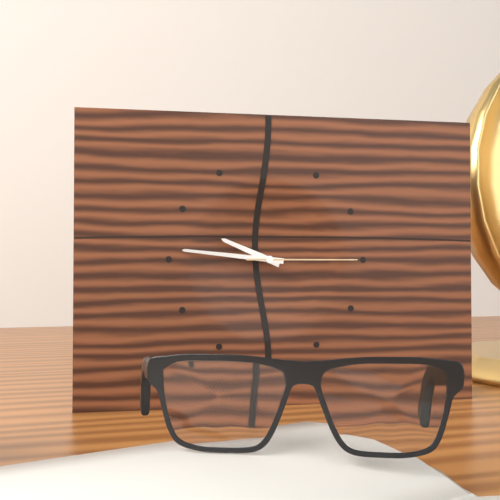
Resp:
h=9 m=46 s=15
